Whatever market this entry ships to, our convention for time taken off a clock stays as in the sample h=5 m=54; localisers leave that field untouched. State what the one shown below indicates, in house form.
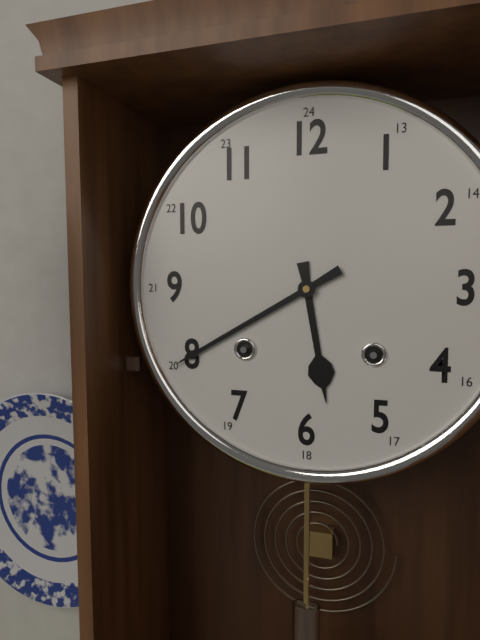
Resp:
h=5 m=40
